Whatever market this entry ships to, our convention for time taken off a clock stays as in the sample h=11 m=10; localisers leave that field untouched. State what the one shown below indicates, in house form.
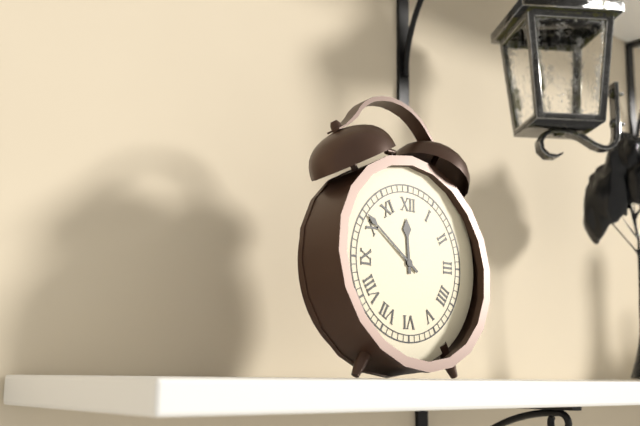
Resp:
h=11 m=51
